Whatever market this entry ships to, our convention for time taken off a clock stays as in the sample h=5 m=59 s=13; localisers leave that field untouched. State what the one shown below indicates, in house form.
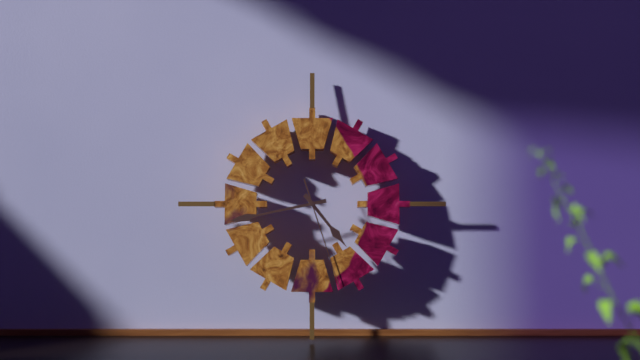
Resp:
h=4 m=43 s=27
